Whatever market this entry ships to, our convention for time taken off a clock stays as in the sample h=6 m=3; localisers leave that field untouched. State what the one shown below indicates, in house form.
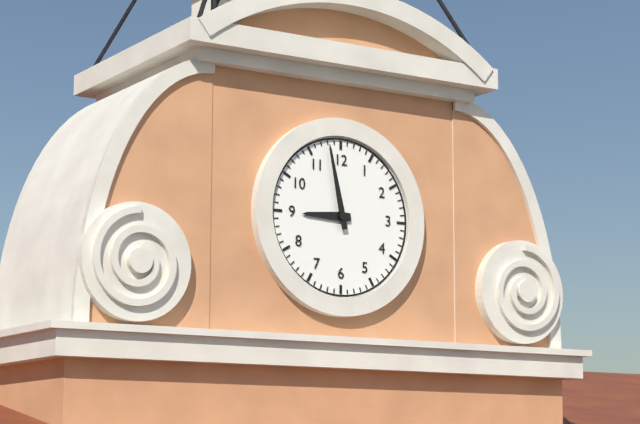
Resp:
h=8 m=58
